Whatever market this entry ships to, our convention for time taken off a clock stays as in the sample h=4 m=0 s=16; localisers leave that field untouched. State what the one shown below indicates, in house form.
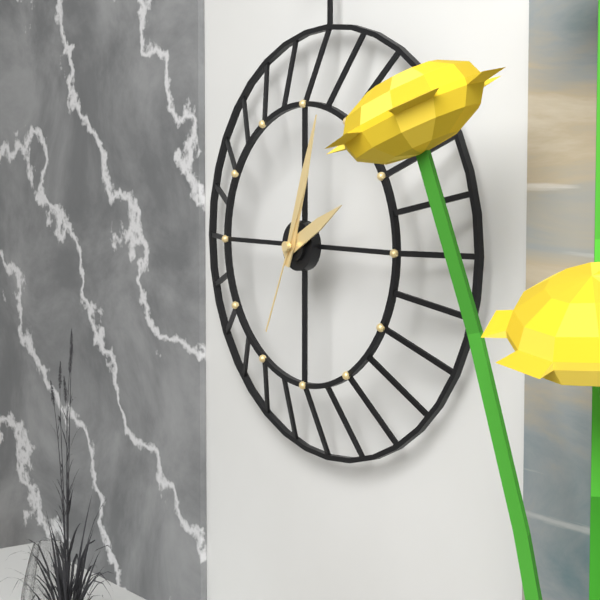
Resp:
h=2 m=3 s=34
